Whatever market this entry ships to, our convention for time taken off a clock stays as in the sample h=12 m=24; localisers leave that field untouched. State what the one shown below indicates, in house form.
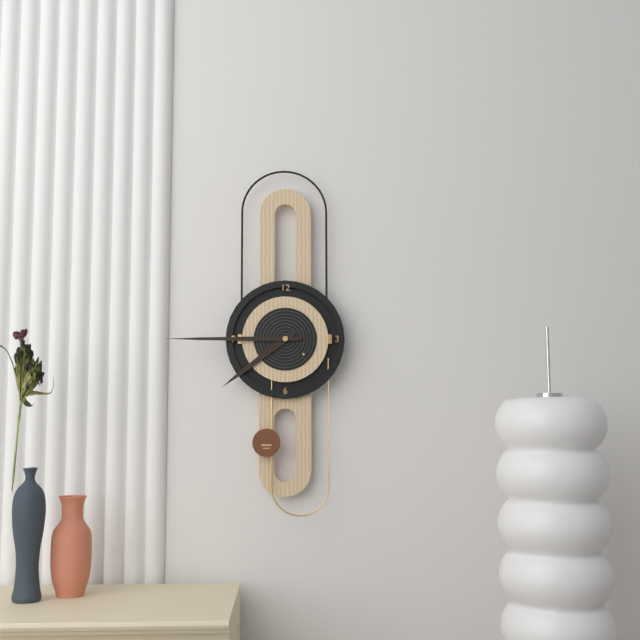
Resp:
h=7 m=45
